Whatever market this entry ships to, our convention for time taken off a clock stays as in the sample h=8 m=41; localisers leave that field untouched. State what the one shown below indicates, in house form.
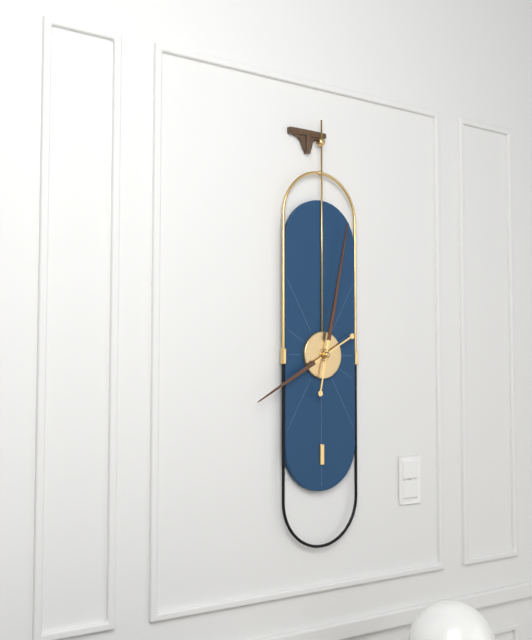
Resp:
h=8 m=2
